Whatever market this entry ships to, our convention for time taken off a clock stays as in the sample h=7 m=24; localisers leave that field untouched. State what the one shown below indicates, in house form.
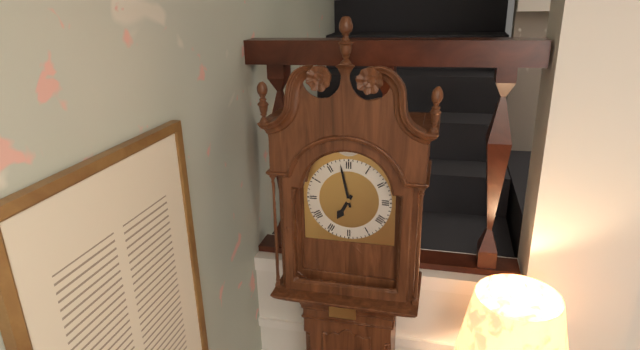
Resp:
h=6 m=58
